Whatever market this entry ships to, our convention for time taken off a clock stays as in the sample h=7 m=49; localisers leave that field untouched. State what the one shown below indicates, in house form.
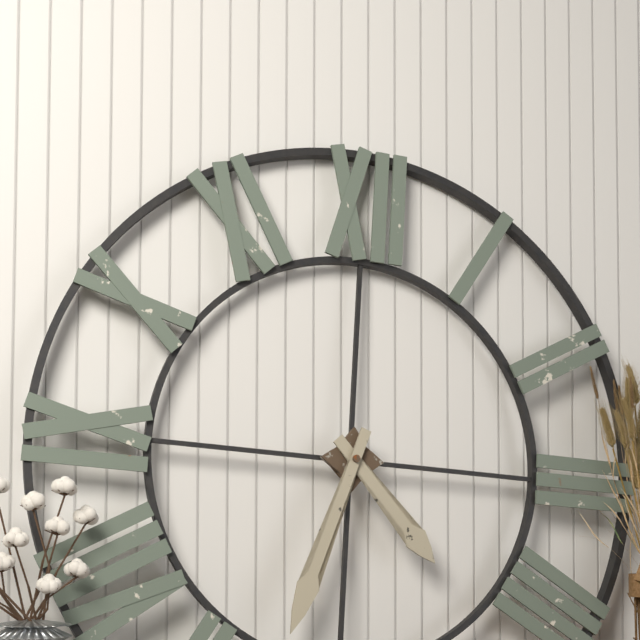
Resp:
h=4 m=33
